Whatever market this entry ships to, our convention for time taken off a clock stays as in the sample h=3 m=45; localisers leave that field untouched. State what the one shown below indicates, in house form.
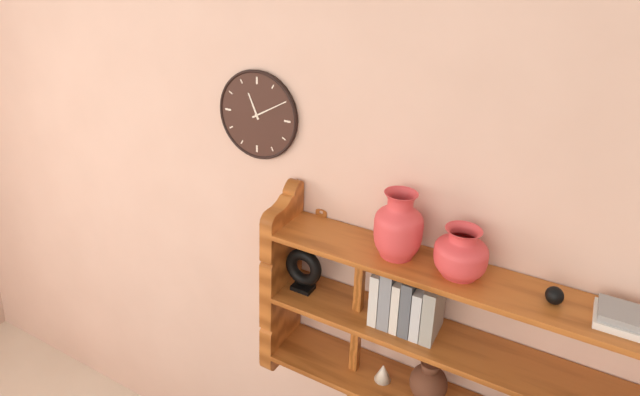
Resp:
h=11 m=10
